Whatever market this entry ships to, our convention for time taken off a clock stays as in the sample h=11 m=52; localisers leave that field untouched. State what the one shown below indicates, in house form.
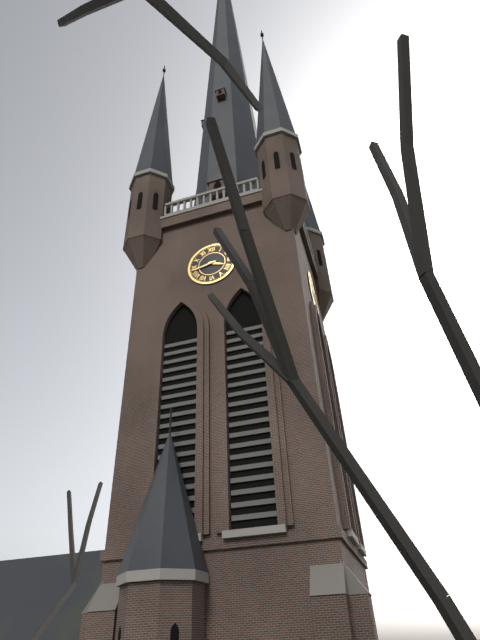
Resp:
h=3 m=43
